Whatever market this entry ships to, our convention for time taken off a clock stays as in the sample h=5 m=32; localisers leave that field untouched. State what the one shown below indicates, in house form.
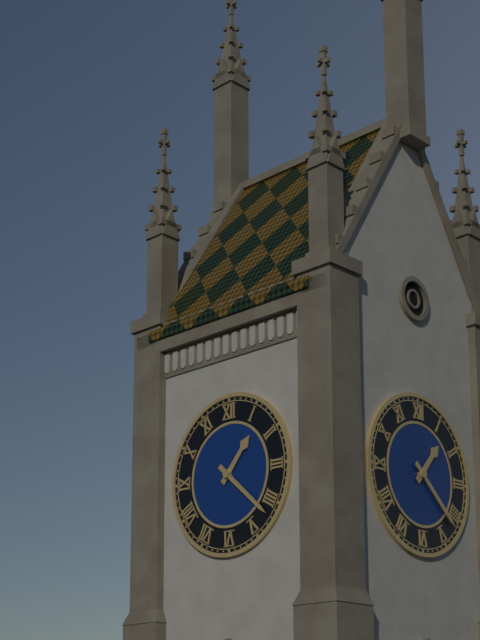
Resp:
h=1 m=22
